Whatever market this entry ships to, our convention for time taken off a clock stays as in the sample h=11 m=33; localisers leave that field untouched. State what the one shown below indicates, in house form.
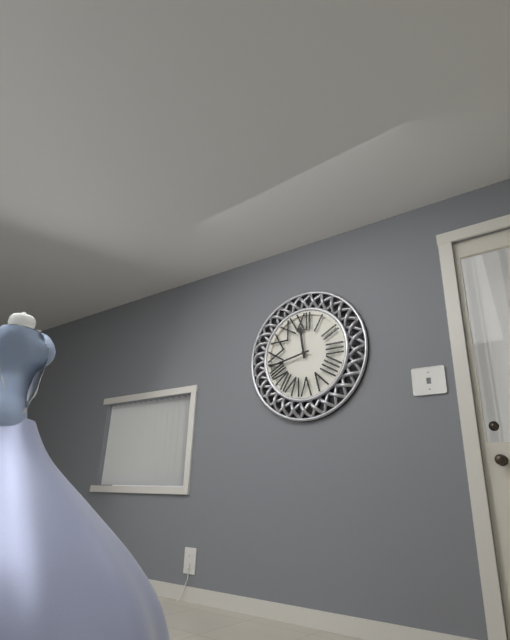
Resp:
h=11 m=43
